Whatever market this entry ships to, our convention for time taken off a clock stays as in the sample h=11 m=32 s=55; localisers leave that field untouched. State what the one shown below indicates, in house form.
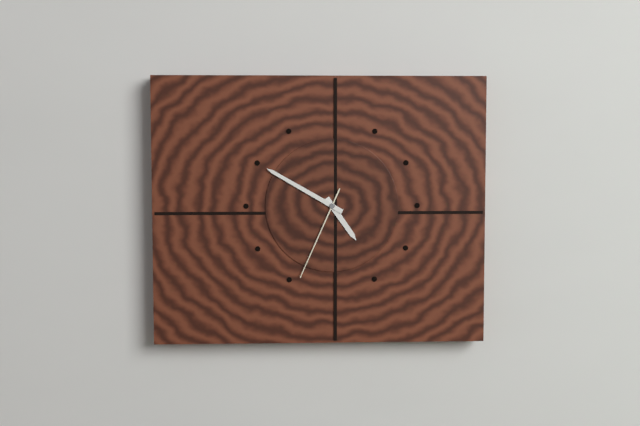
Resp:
h=4 m=50 s=34
